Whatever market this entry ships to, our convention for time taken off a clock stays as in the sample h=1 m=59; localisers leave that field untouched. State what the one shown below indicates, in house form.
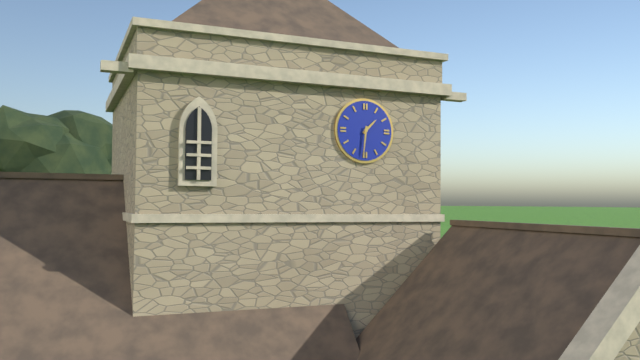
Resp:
h=1 m=31
